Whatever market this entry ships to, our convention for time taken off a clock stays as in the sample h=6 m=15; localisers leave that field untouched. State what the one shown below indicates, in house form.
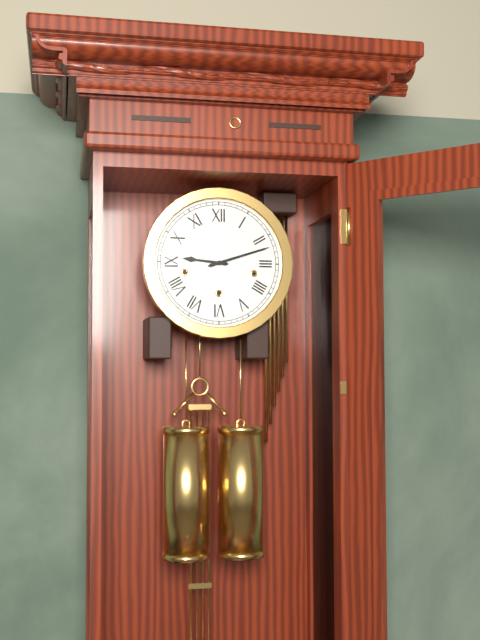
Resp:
h=9 m=12
